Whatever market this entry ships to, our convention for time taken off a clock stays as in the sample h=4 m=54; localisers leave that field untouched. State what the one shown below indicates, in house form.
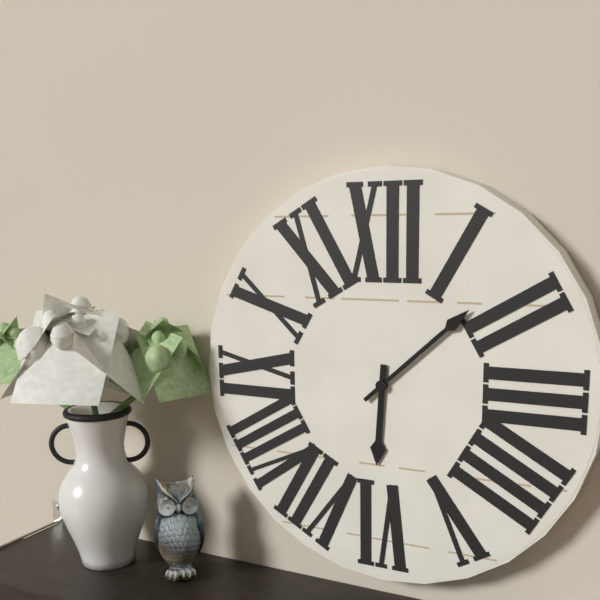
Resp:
h=6 m=8
